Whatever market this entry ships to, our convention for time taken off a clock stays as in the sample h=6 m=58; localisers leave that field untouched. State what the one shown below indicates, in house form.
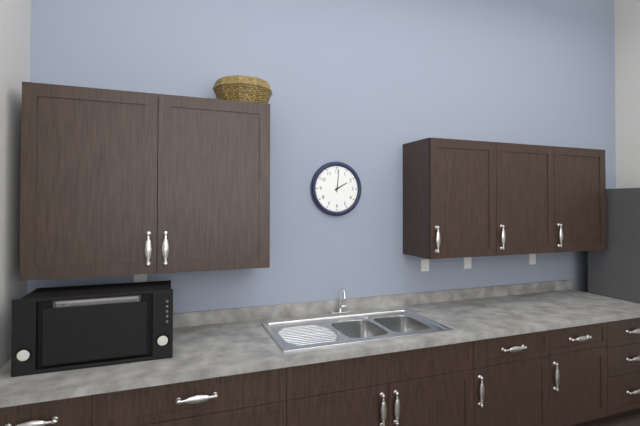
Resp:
h=2 m=1
